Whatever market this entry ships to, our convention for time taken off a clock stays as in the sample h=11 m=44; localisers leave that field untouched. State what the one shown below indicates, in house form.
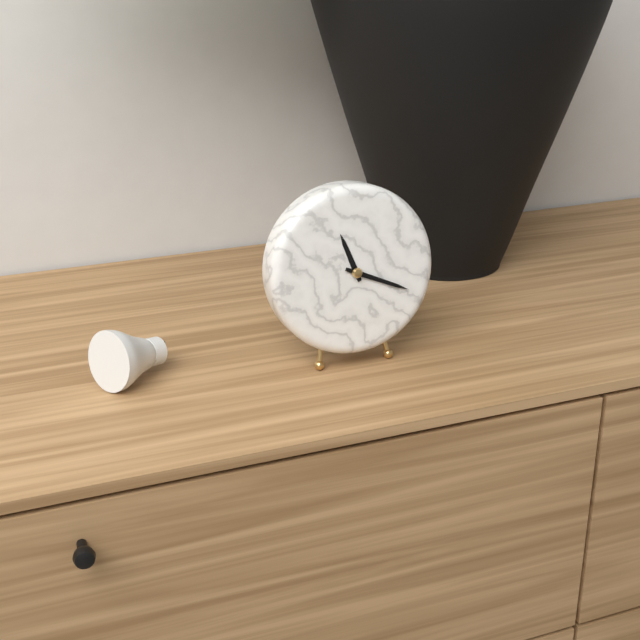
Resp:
h=11 m=19
